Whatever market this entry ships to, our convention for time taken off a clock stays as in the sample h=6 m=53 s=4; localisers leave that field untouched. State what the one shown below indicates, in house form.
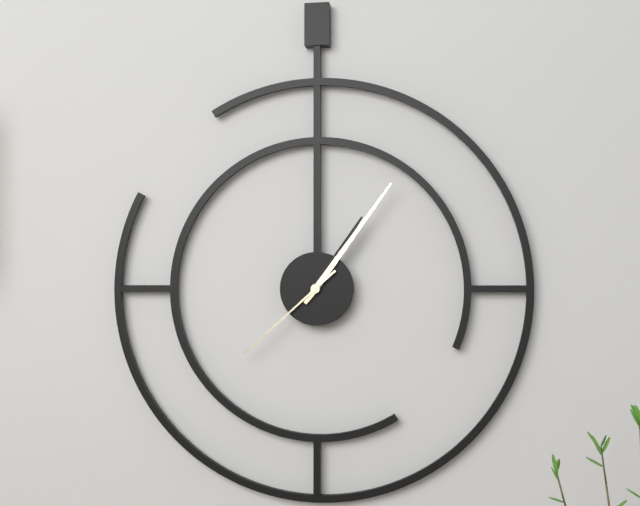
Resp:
h=1 m=6 s=38
